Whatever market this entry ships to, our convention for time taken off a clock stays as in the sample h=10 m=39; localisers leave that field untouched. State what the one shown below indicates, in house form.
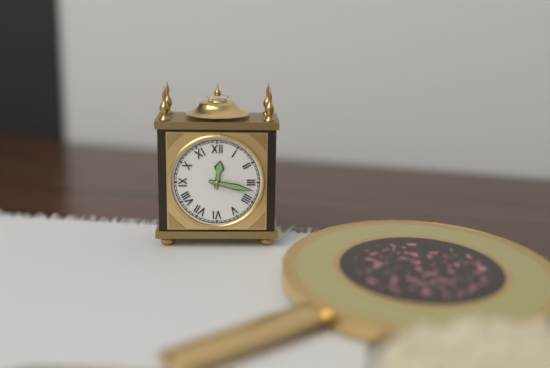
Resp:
h=12 m=17
